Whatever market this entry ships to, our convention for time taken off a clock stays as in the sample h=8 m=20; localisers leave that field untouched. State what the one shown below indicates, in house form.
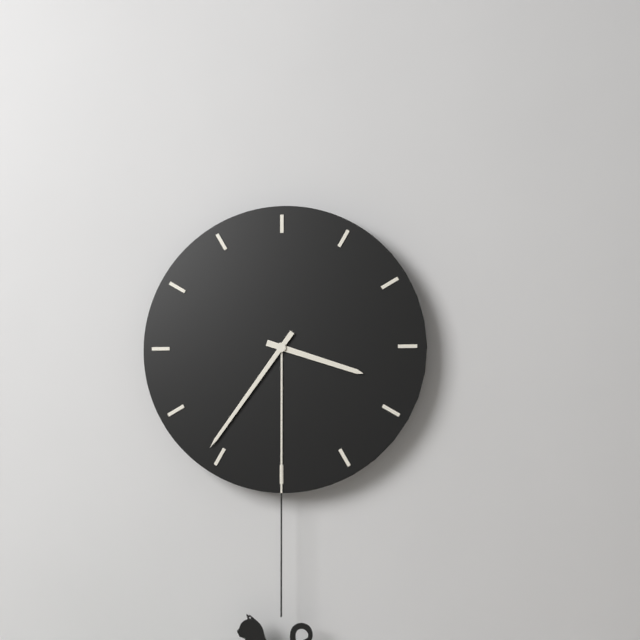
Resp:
h=3 m=36
